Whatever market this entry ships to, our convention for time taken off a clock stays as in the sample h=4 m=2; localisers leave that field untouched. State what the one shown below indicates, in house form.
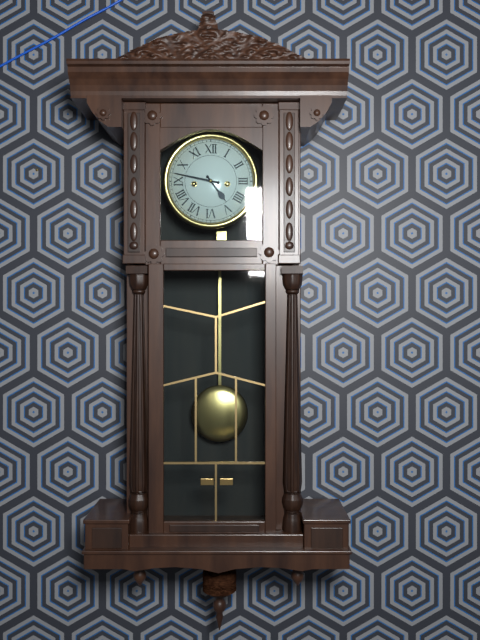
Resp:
h=4 m=47
